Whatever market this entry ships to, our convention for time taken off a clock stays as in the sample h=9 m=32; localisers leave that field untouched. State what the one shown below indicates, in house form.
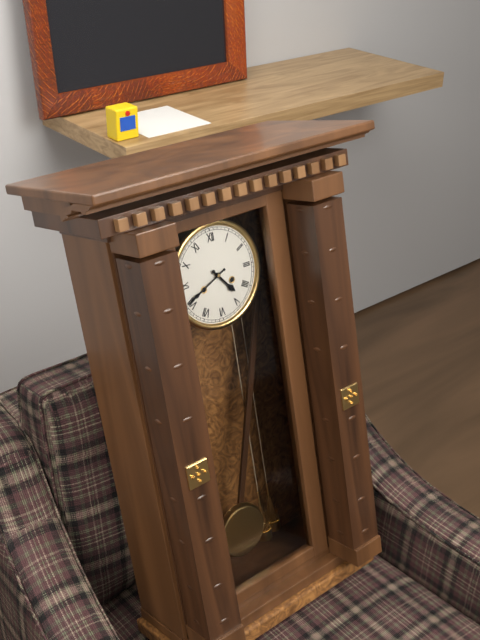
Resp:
h=4 m=41
